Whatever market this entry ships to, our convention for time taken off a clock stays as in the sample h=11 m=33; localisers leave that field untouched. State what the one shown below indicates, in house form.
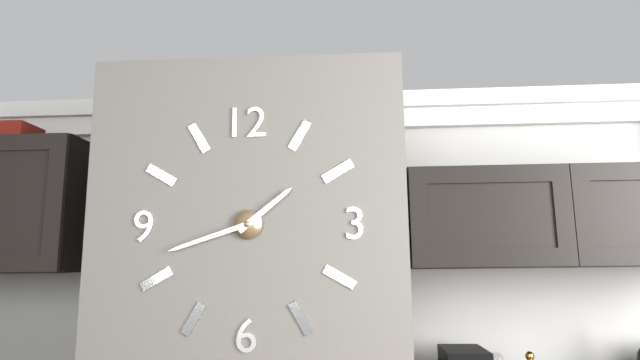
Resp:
h=1 m=42
